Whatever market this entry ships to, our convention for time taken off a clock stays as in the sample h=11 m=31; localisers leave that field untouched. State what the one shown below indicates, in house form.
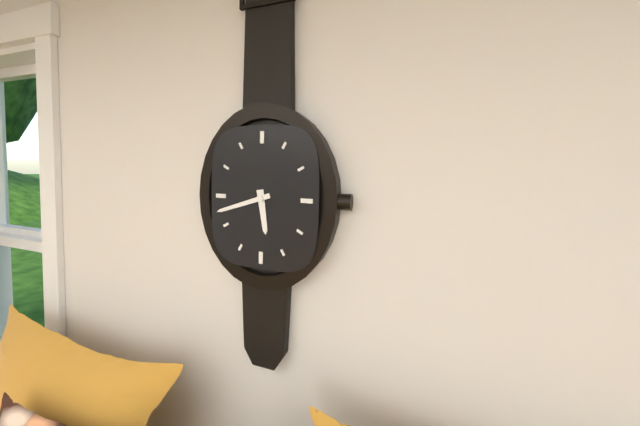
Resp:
h=5 m=42
